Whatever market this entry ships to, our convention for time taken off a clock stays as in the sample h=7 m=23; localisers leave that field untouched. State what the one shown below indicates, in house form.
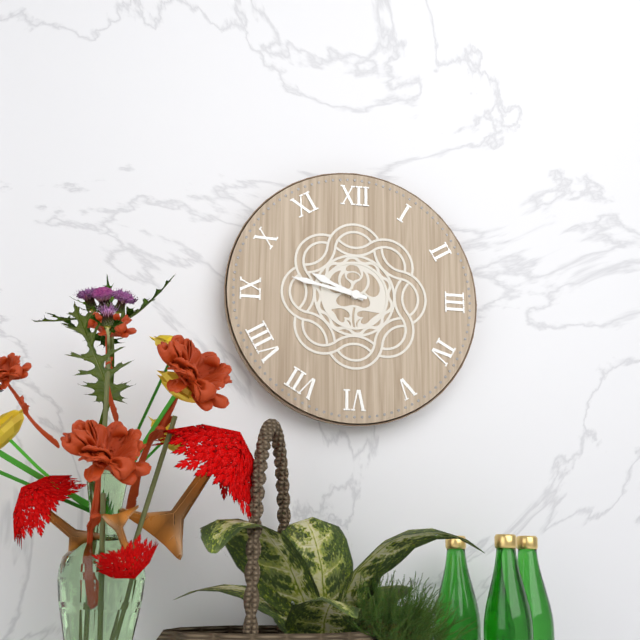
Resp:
h=9 m=47
